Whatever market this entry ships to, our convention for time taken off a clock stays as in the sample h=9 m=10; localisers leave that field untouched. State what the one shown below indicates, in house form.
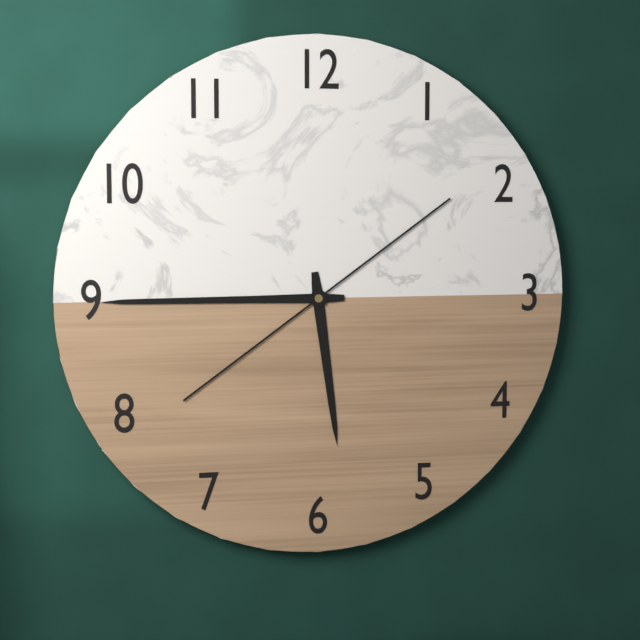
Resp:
h=5 m=45
